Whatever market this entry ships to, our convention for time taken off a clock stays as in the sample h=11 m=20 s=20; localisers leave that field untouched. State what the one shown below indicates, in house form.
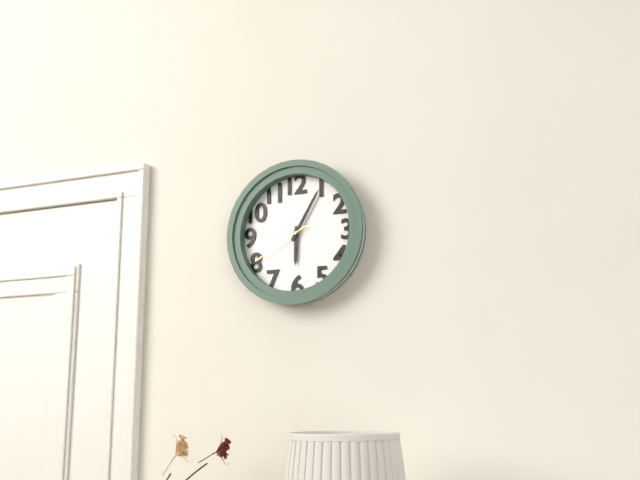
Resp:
h=6 m=5 s=40
